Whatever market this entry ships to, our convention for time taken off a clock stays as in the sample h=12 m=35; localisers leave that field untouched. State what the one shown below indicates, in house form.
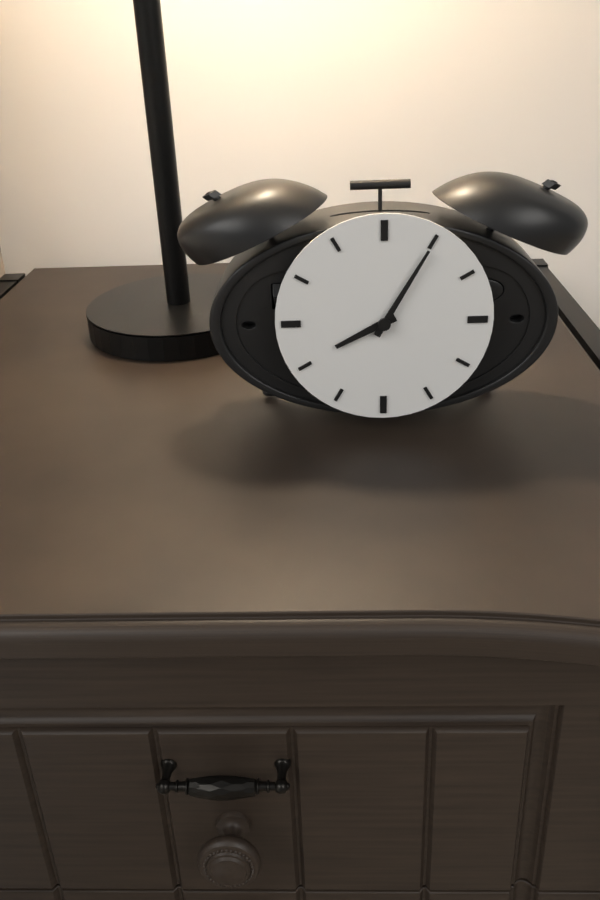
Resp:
h=8 m=5
